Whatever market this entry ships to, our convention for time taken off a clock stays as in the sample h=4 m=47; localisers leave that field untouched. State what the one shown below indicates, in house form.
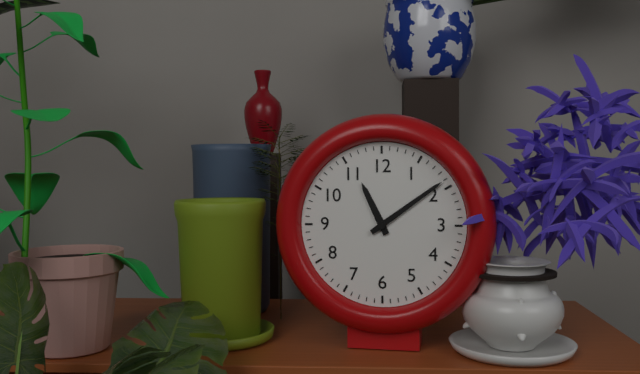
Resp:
h=11 m=9
